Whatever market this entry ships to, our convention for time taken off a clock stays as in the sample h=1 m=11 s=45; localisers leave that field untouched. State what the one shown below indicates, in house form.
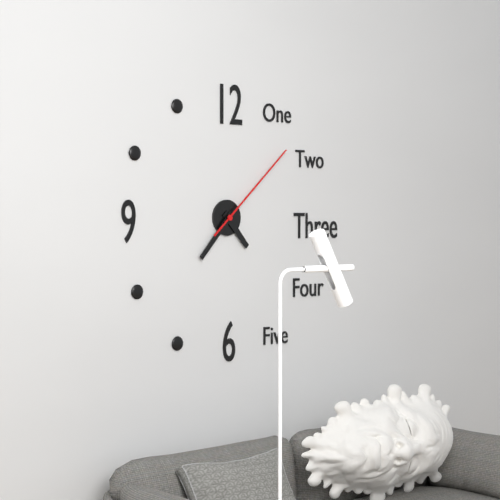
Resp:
h=4 m=37 s=8
